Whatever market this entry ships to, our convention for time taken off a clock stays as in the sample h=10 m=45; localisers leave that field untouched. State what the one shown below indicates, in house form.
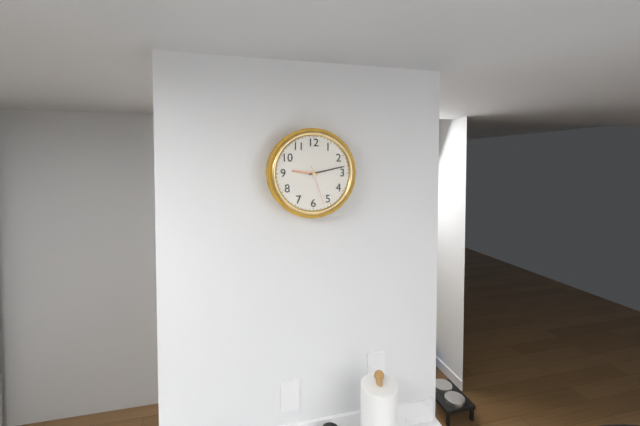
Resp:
h=9 m=13
